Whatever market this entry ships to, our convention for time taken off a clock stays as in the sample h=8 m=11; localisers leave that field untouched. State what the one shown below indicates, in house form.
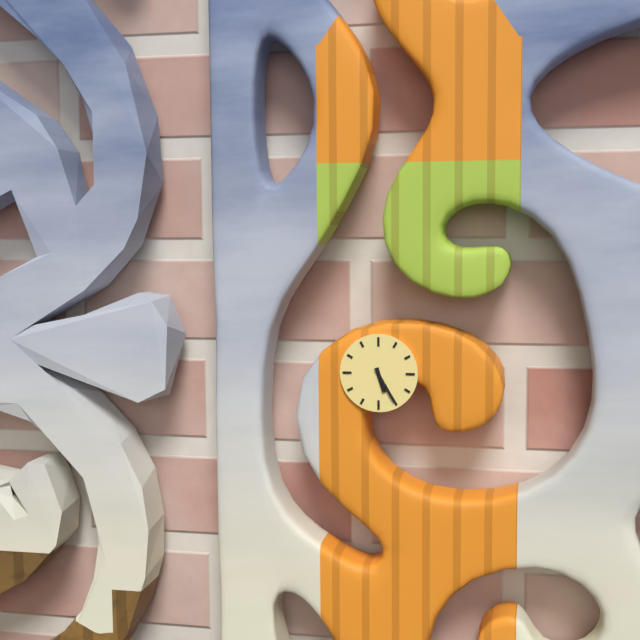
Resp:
h=5 m=25
